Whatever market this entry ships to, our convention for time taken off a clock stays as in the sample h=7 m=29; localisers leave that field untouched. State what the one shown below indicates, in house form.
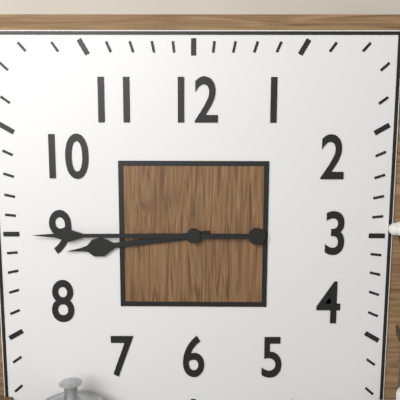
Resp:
h=8 m=45
